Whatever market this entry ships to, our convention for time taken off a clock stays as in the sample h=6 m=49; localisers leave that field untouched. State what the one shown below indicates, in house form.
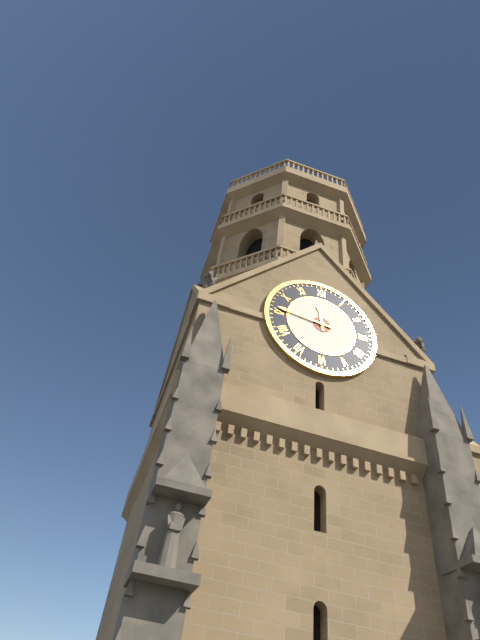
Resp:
h=11 m=46
